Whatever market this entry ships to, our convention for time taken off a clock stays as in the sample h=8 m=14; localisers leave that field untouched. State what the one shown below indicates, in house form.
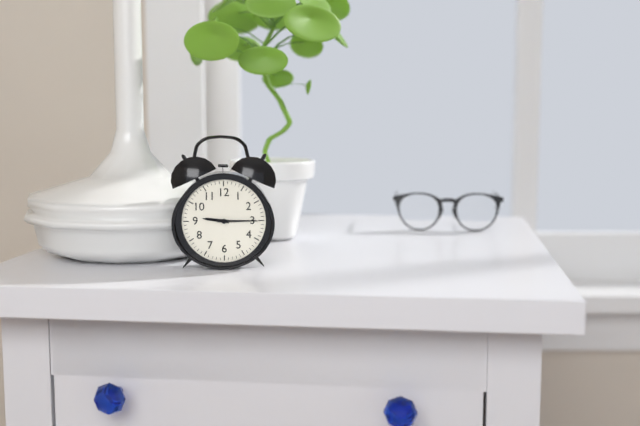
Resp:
h=9 m=15
